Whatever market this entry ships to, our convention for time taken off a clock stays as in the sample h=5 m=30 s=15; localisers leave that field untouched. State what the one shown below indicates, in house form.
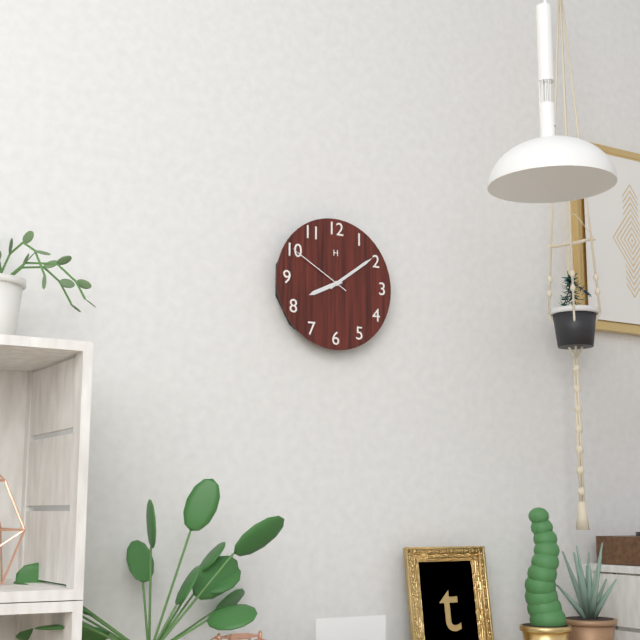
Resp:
h=8 m=9 s=50
